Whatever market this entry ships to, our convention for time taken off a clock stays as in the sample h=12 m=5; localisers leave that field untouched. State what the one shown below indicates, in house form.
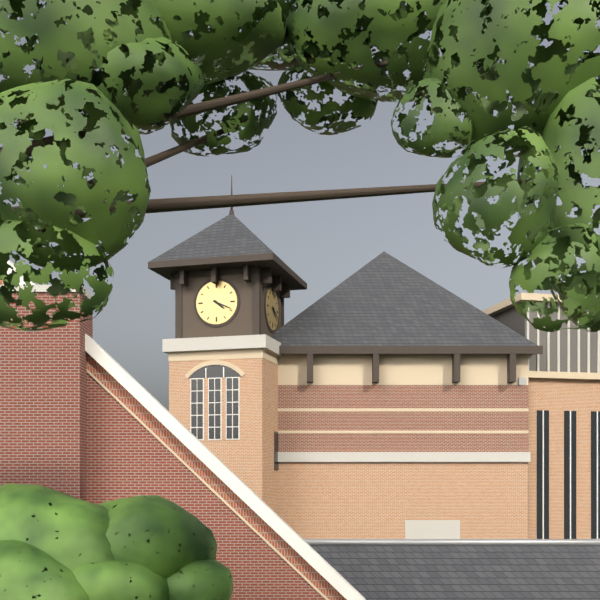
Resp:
h=4 m=19
